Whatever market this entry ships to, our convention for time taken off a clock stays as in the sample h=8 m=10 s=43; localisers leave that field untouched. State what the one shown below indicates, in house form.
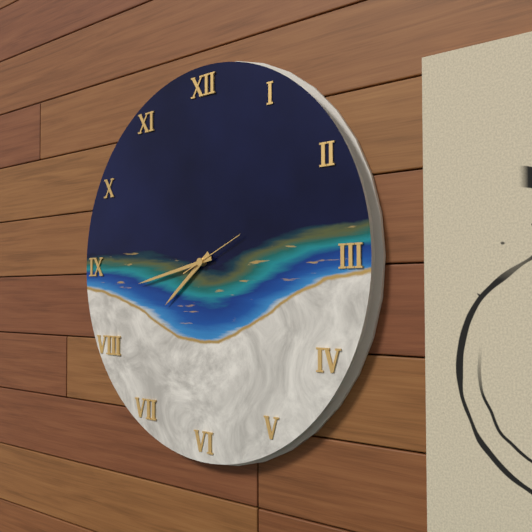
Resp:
h=7 m=43 s=11
